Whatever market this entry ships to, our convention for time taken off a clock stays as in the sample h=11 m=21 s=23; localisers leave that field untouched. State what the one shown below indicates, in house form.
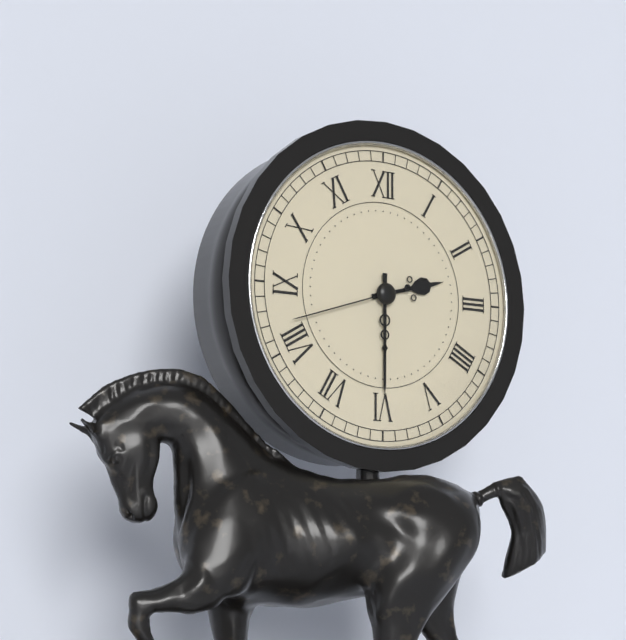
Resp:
h=2 m=30 s=42
